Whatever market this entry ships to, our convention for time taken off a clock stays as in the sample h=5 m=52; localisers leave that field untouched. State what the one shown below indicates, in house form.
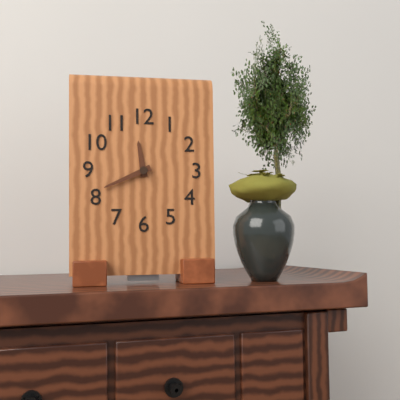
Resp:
h=11 m=41
